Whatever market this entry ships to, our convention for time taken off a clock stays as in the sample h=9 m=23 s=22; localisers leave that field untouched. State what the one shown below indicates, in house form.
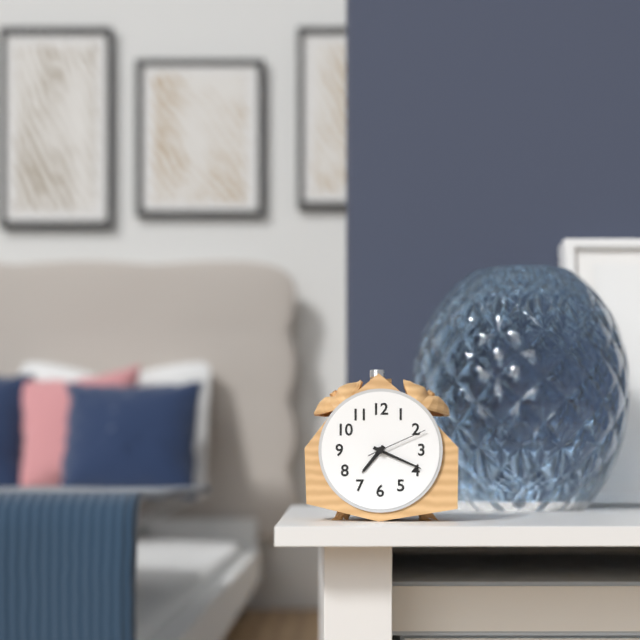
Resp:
h=7 m=19 s=11
